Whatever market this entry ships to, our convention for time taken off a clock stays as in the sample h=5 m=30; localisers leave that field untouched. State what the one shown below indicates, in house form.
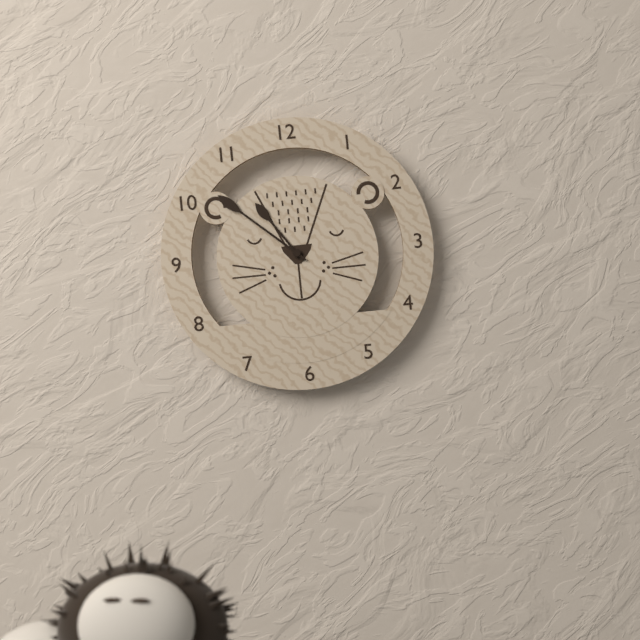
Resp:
h=10 m=52
